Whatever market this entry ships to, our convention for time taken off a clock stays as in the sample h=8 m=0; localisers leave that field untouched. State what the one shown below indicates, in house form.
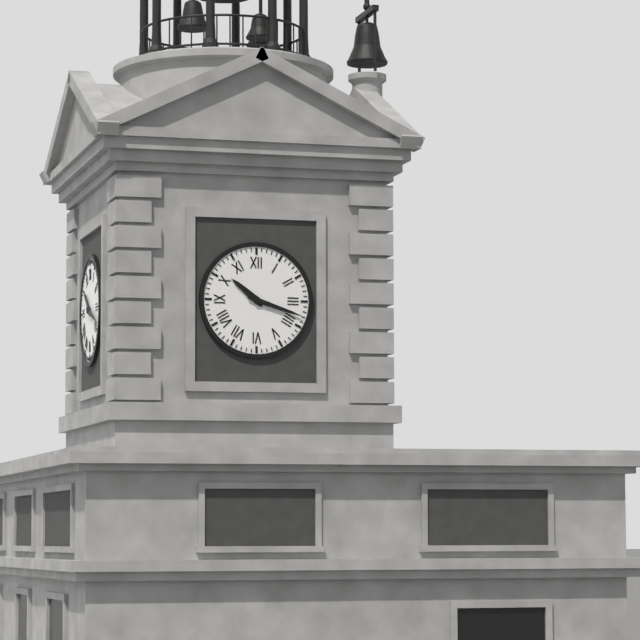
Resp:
h=10 m=18
